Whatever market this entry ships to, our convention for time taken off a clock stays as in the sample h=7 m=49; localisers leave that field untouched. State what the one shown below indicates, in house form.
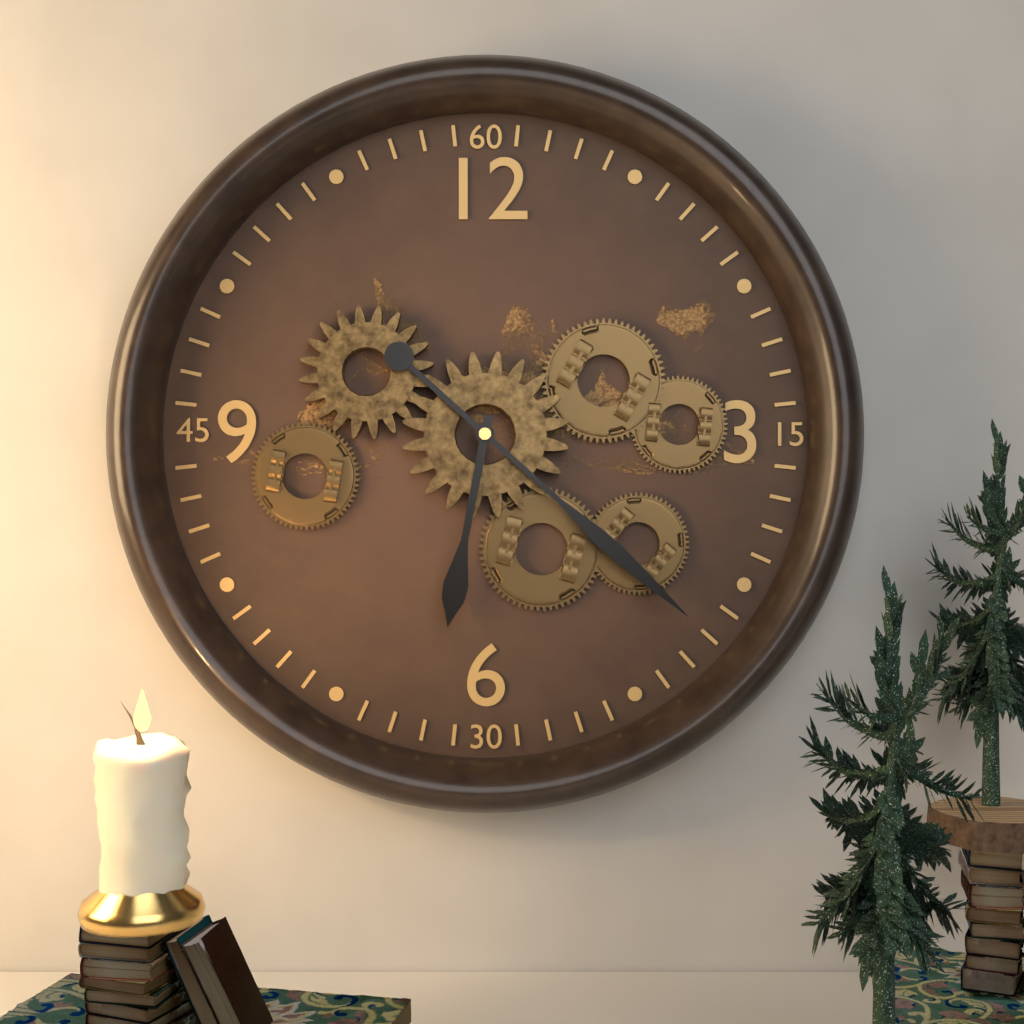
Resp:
h=6 m=22
